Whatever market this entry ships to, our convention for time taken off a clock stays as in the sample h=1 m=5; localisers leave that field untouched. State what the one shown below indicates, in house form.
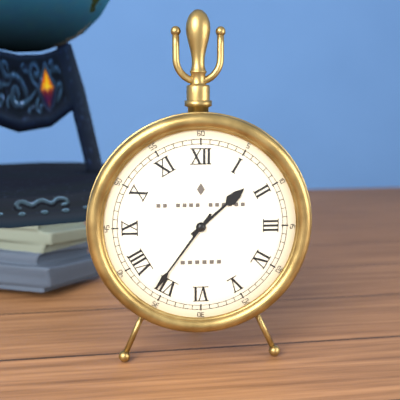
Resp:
h=1 m=36
